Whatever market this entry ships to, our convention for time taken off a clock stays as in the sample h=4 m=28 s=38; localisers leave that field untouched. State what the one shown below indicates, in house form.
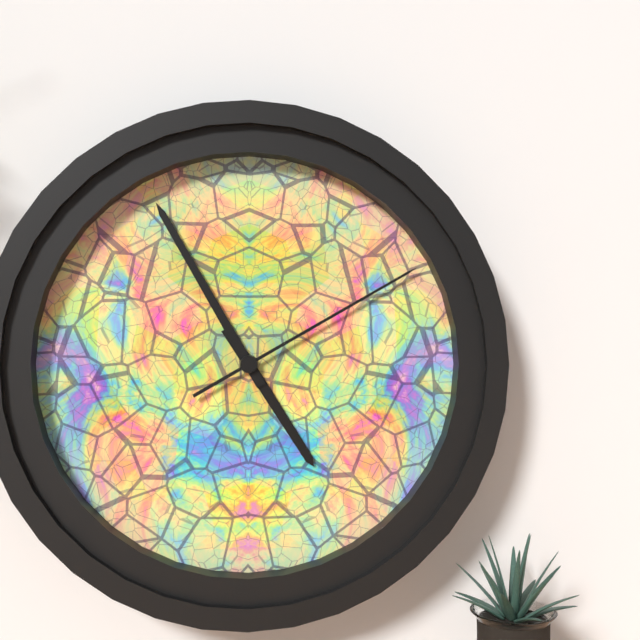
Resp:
h=4 m=55 s=10
